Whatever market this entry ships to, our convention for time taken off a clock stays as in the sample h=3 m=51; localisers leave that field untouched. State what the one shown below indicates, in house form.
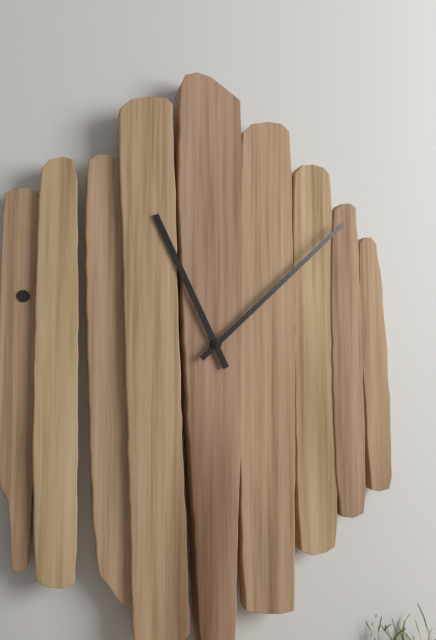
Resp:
h=11 m=8
